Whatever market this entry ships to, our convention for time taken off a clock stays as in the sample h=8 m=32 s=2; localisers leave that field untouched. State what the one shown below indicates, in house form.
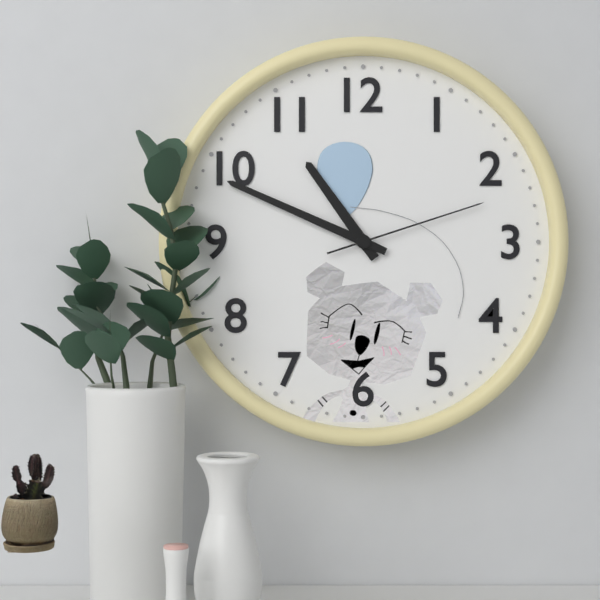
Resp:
h=10 m=49 s=12
